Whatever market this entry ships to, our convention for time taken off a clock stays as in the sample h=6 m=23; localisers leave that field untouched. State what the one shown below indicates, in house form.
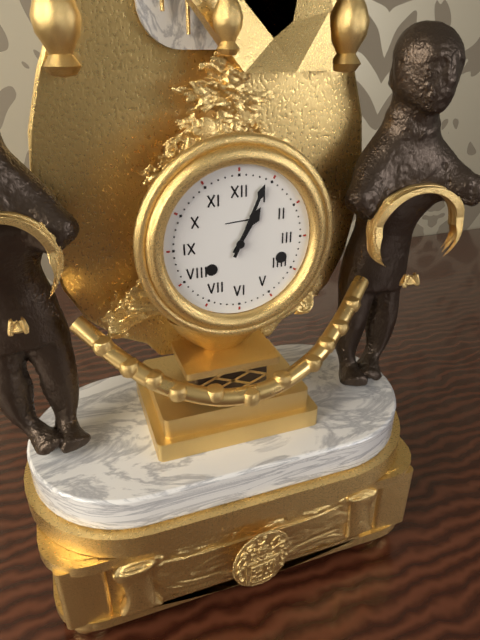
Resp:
h=1 m=4
